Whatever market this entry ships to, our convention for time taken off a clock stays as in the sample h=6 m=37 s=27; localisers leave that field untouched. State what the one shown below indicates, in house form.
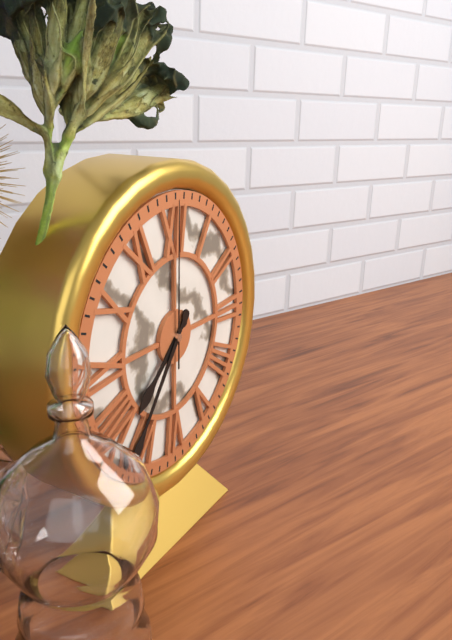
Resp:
h=7 m=36 s=0
